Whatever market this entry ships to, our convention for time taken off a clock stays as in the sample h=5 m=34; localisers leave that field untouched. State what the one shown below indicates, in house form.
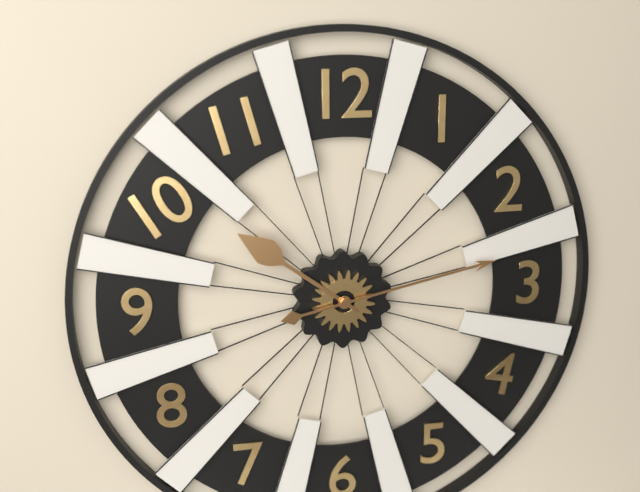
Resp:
h=10 m=13
